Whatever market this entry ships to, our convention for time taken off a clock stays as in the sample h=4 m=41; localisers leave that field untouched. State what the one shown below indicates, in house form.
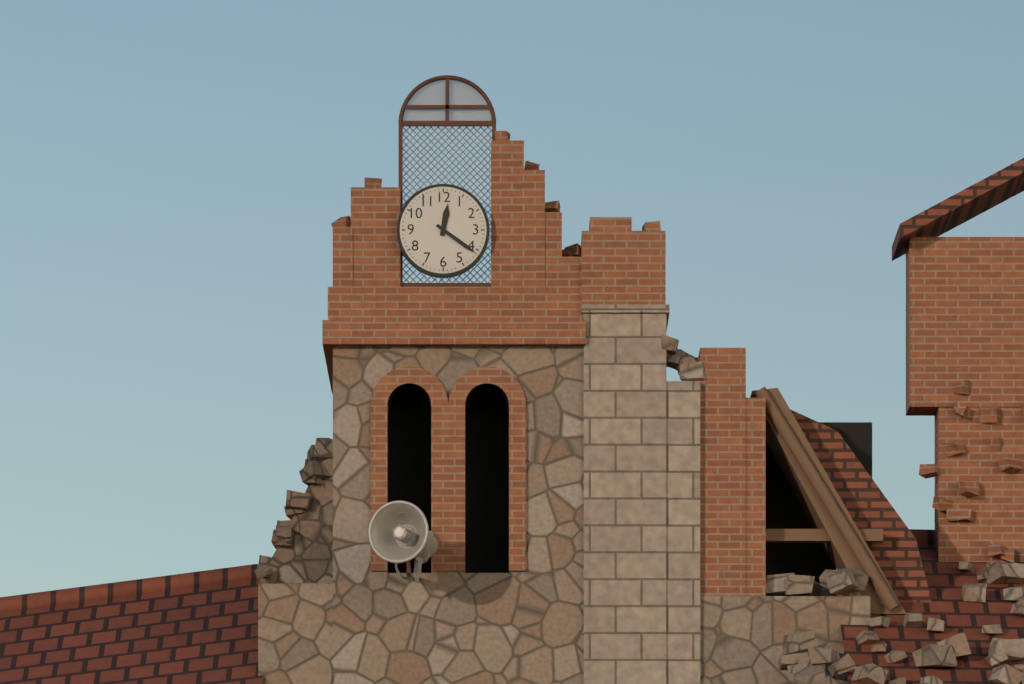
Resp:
h=12 m=21
